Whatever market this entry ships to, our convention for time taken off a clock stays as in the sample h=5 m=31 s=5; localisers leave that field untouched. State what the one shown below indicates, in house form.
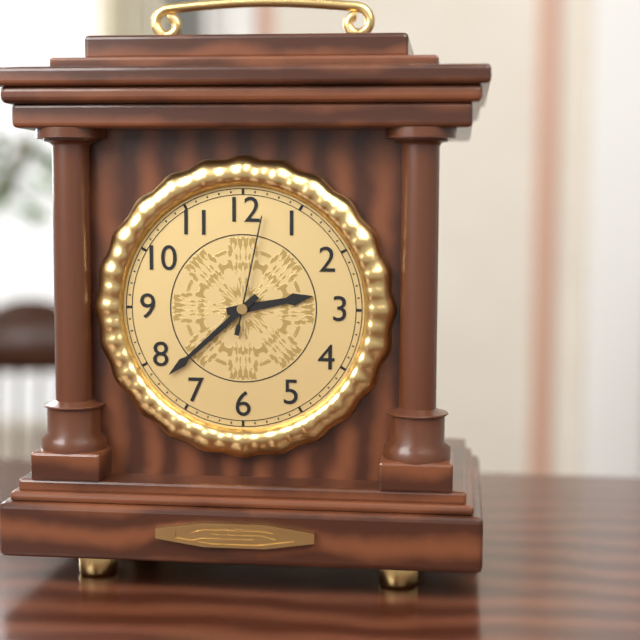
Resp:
h=2 m=38 s=2
